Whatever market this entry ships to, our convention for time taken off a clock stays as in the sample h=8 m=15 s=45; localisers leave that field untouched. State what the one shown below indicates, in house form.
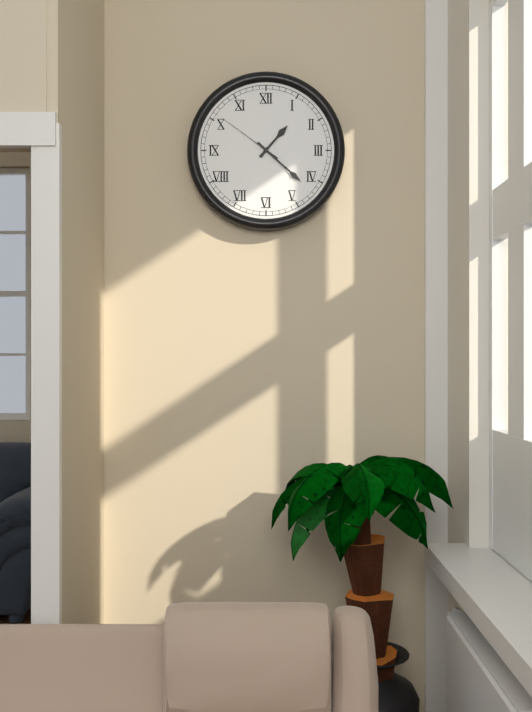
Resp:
h=1 m=22 s=51
